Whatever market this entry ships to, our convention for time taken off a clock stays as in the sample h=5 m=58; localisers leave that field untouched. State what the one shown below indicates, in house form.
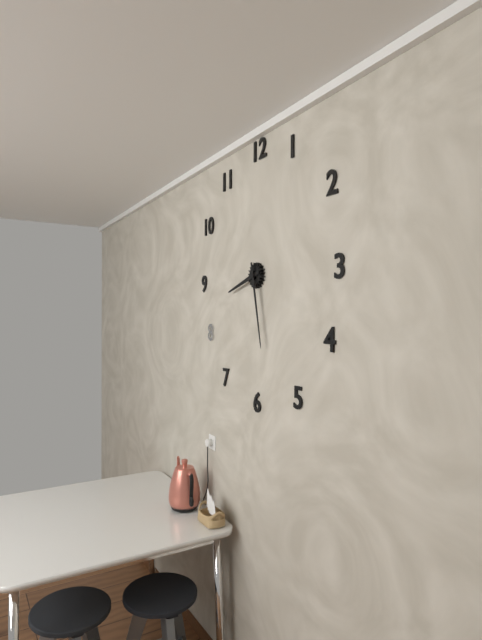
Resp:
h=8 m=28
